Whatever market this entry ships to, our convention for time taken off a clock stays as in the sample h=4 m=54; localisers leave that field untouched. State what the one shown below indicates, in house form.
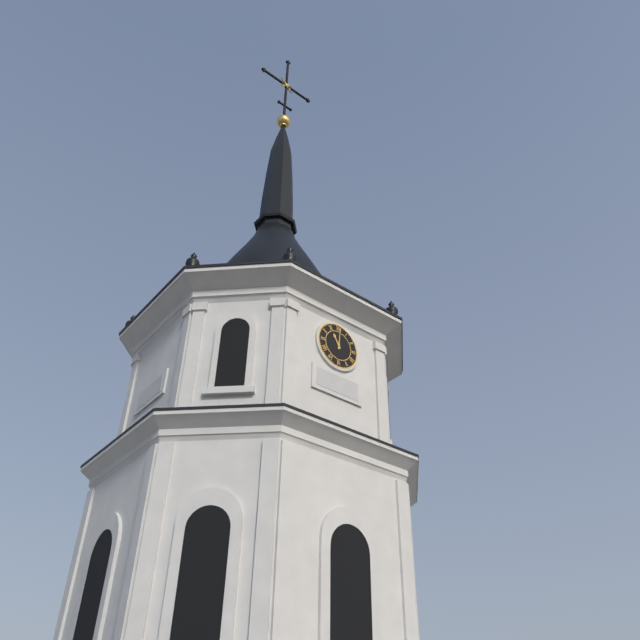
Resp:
h=11 m=1
